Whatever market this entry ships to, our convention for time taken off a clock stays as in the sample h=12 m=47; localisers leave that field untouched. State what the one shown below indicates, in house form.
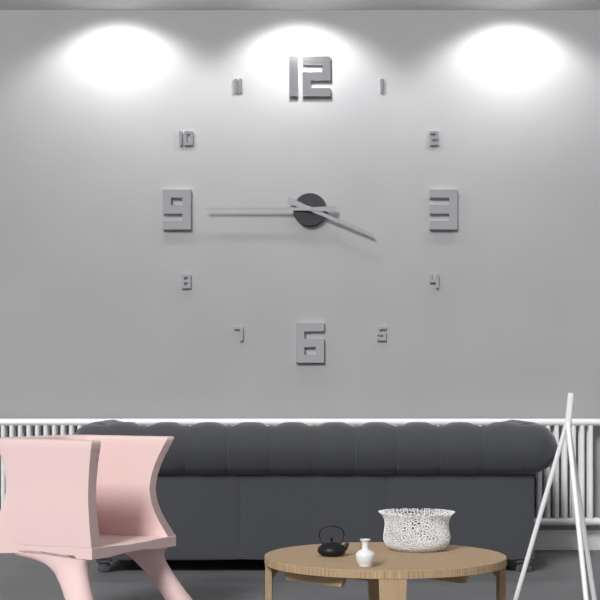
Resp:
h=3 m=45
